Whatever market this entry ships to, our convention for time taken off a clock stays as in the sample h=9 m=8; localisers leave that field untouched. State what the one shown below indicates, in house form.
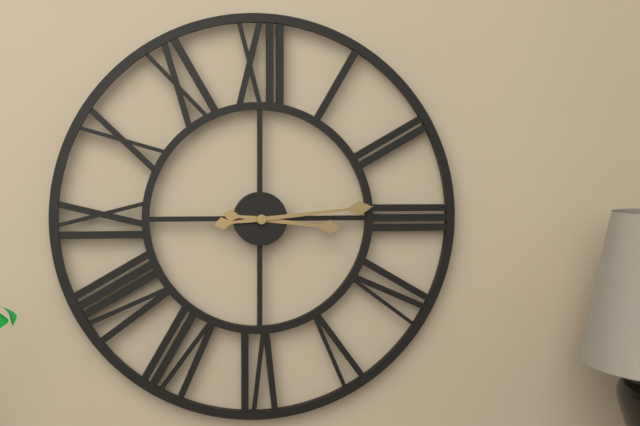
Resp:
h=3 m=14
